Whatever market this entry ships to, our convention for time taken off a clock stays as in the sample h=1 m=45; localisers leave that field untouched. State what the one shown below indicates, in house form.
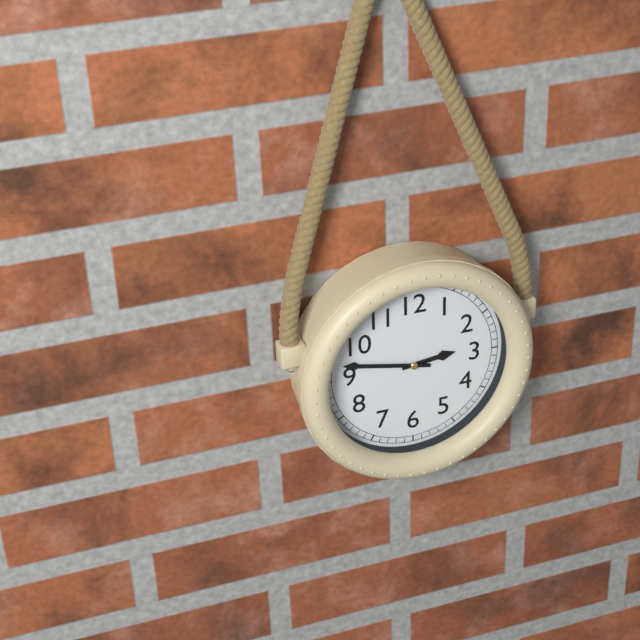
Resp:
h=2 m=47
